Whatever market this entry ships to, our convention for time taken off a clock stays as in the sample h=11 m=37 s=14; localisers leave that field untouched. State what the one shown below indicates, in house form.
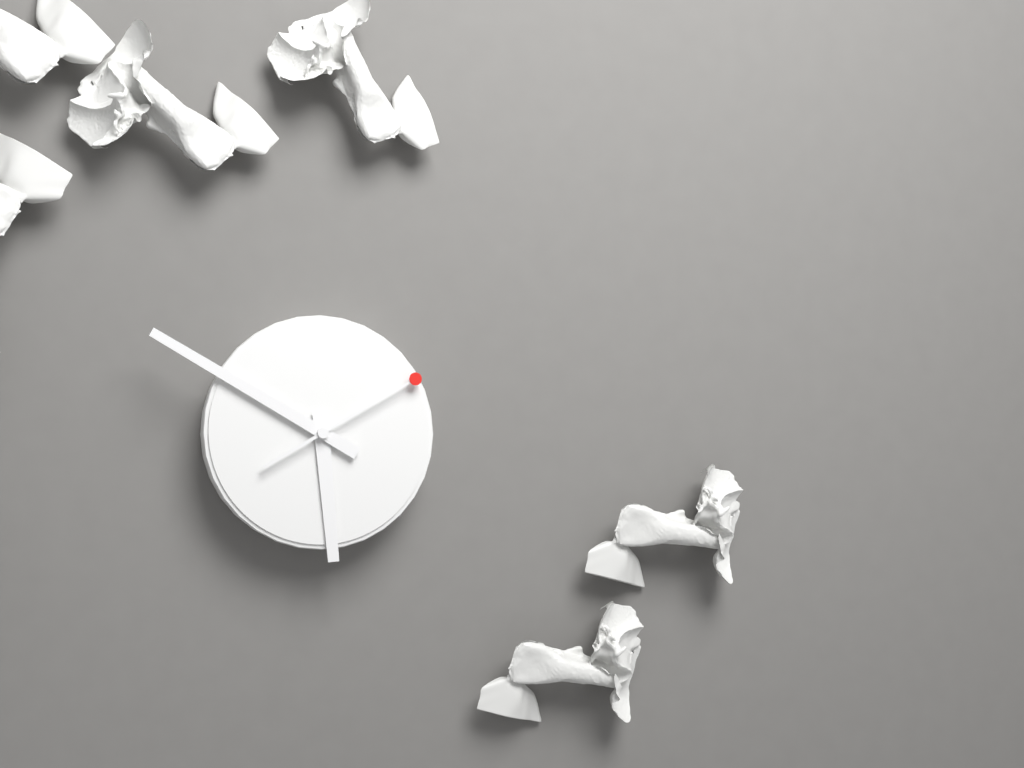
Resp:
h=5 m=50 s=10
